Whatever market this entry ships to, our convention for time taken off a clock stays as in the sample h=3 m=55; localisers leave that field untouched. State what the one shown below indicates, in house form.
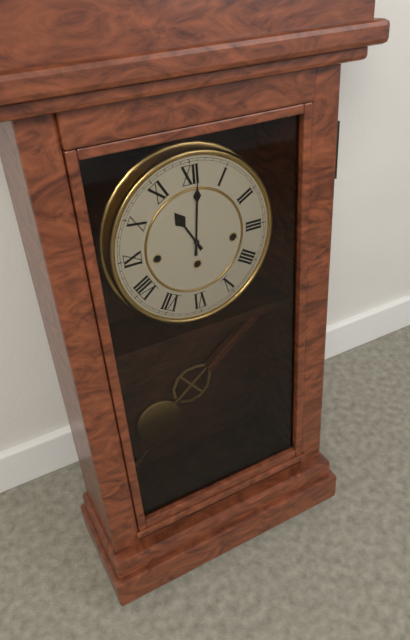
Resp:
h=11 m=1
